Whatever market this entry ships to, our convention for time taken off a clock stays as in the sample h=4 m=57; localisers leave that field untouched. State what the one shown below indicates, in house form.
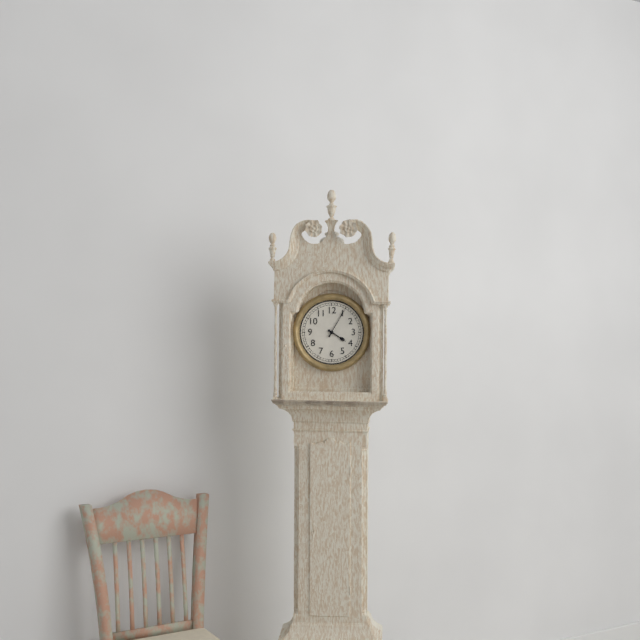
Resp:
h=4 m=5
